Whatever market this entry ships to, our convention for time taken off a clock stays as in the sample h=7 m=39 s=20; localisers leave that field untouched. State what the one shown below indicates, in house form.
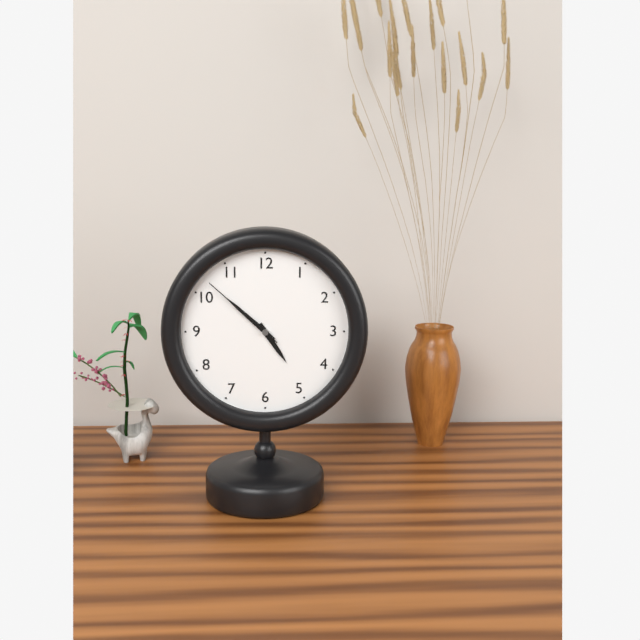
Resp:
h=4 m=52 s=52
